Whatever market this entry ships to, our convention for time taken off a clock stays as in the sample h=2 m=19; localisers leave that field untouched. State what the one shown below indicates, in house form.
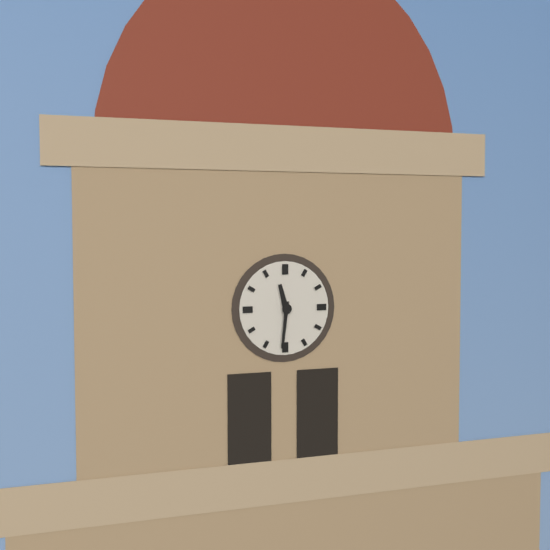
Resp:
h=11 m=31
